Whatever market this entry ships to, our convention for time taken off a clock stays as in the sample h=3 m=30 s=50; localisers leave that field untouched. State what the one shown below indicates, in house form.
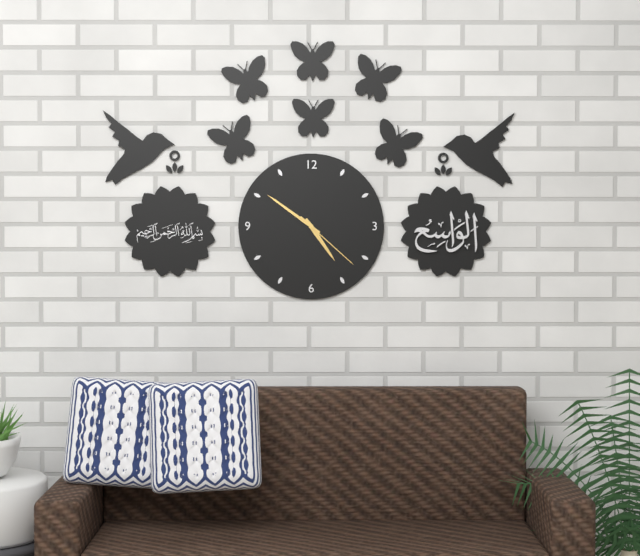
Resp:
h=4 m=51 s=22
